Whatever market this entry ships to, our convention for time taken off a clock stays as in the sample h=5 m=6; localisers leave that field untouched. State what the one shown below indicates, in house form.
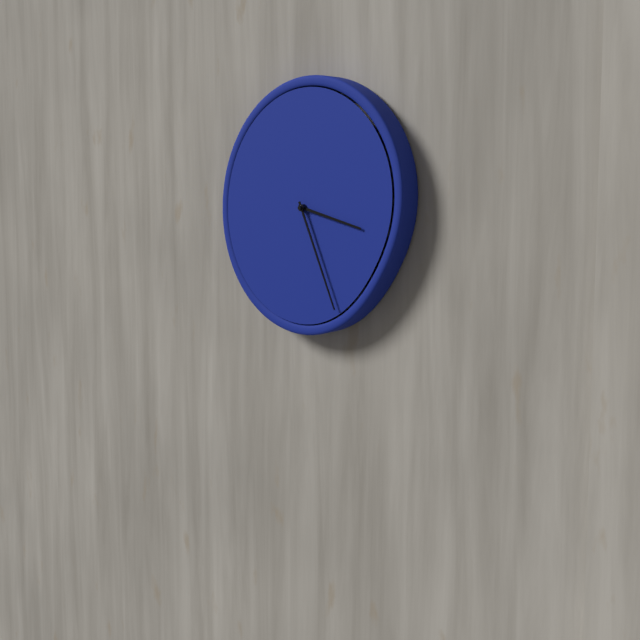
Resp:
h=3 m=26
